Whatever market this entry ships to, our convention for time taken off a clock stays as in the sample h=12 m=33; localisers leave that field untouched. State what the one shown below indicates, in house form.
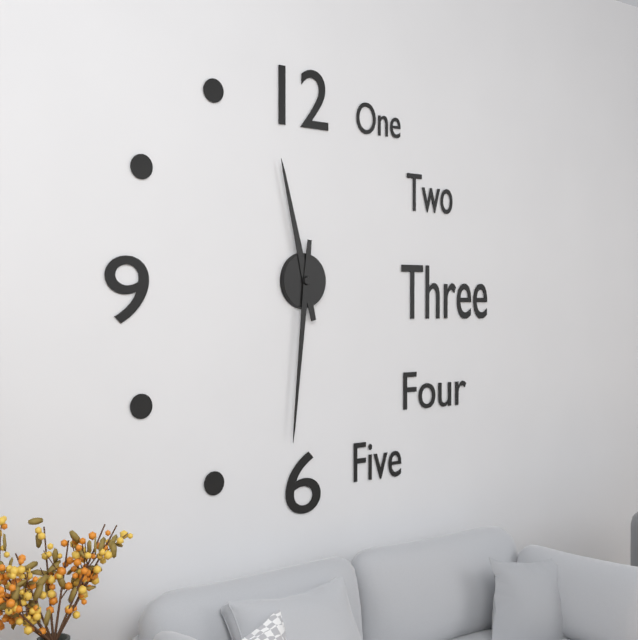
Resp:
h=11 m=31
